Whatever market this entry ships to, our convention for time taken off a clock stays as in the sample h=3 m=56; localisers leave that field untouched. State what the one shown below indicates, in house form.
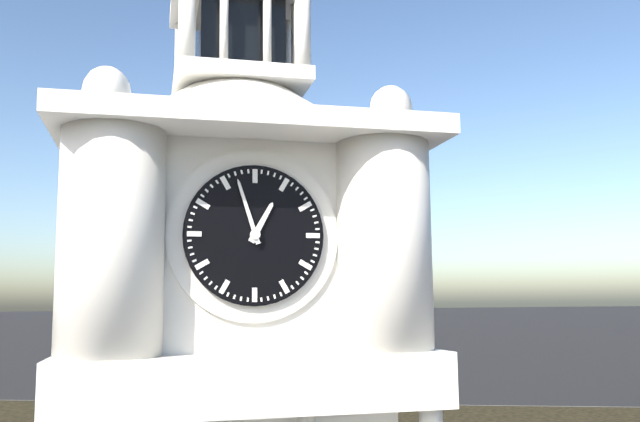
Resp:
h=12 m=57
